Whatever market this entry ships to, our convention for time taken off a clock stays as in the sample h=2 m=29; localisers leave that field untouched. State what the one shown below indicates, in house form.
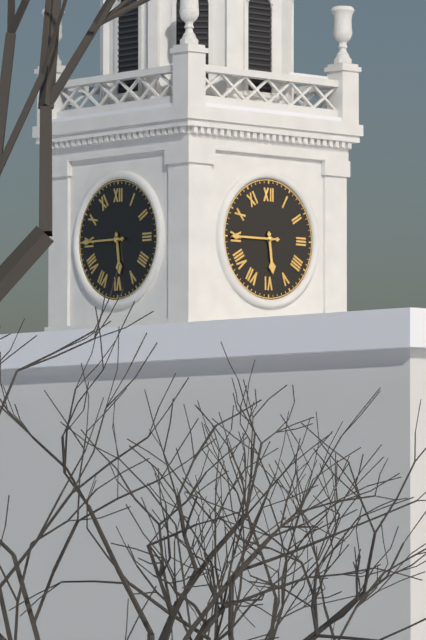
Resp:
h=5 m=45
